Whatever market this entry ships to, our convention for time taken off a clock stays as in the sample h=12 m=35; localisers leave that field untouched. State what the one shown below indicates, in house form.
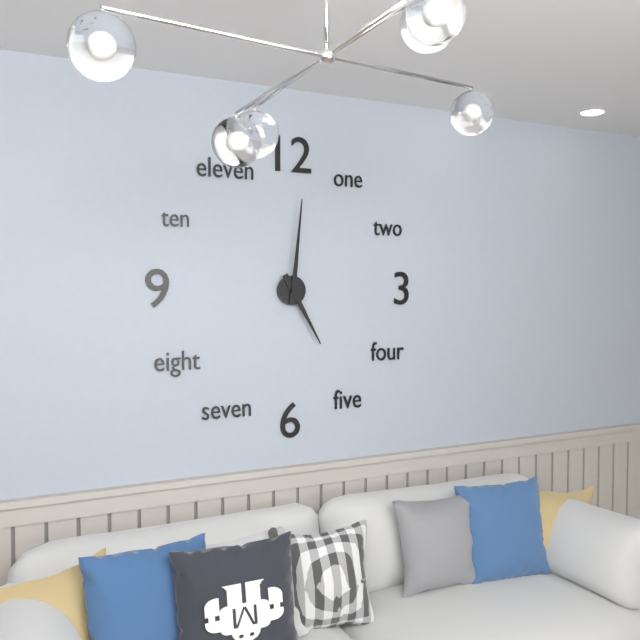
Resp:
h=5 m=1
